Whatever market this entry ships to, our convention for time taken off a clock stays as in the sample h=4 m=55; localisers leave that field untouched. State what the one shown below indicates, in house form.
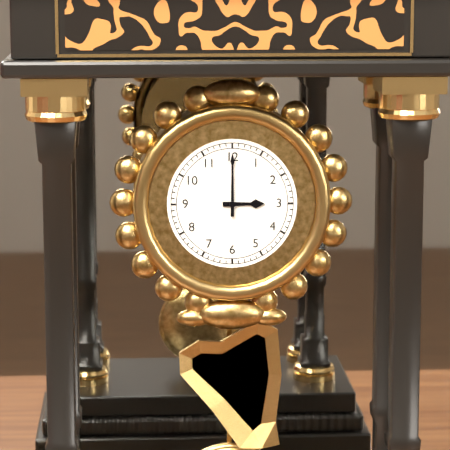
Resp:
h=3 m=0
